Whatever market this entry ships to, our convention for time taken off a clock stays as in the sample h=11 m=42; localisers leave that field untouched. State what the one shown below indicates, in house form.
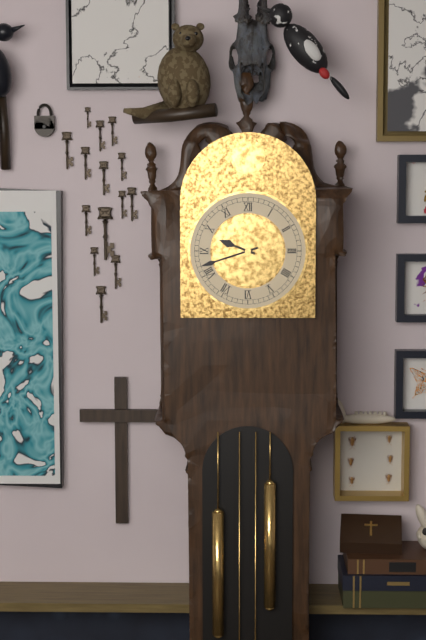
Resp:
h=9 m=42
